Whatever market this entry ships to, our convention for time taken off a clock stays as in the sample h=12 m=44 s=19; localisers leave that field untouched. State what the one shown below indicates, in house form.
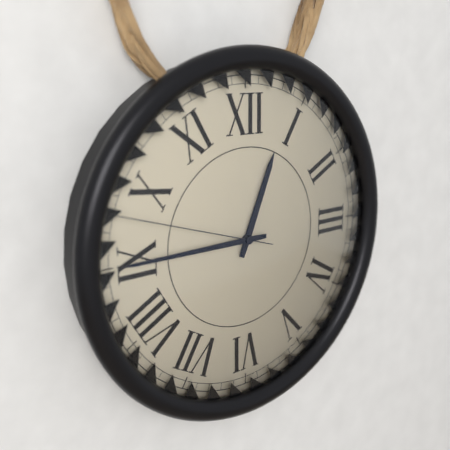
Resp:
h=12 m=45 s=48
